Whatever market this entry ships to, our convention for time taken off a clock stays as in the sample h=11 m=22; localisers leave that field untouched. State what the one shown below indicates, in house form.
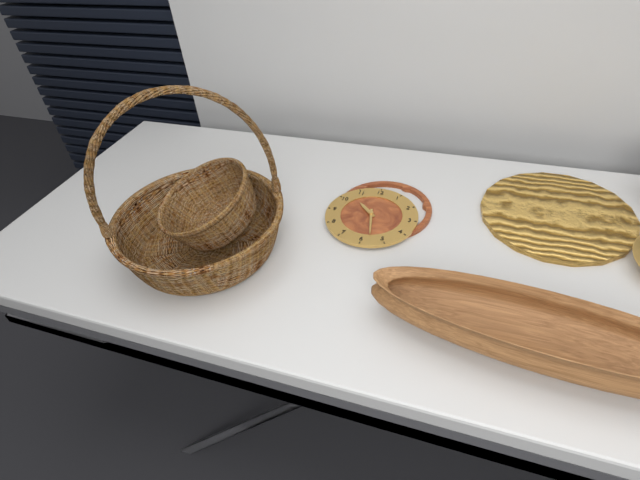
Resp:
h=10 m=28
